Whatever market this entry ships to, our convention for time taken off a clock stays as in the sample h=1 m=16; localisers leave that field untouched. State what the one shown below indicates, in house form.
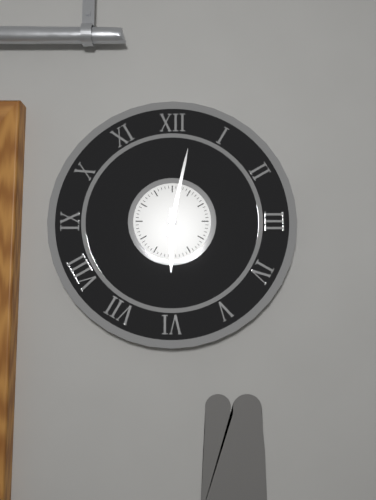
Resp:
h=6 m=2
